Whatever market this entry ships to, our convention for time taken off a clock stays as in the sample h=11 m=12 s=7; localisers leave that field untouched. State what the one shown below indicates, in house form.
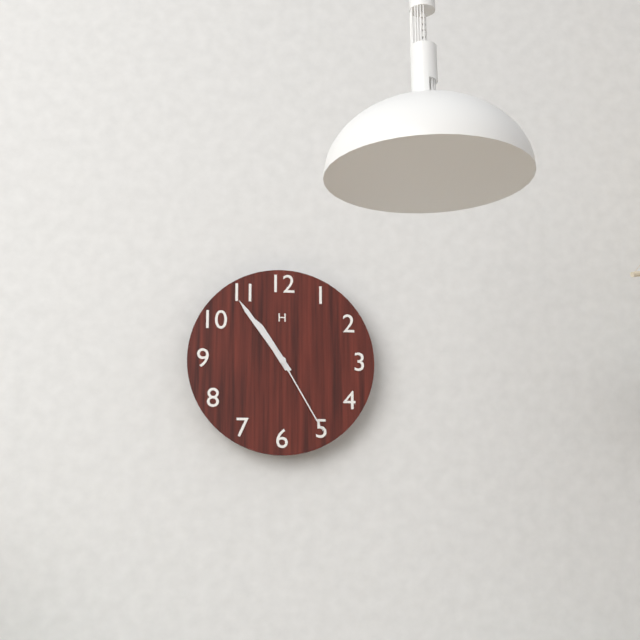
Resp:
h=10 m=54 s=25
